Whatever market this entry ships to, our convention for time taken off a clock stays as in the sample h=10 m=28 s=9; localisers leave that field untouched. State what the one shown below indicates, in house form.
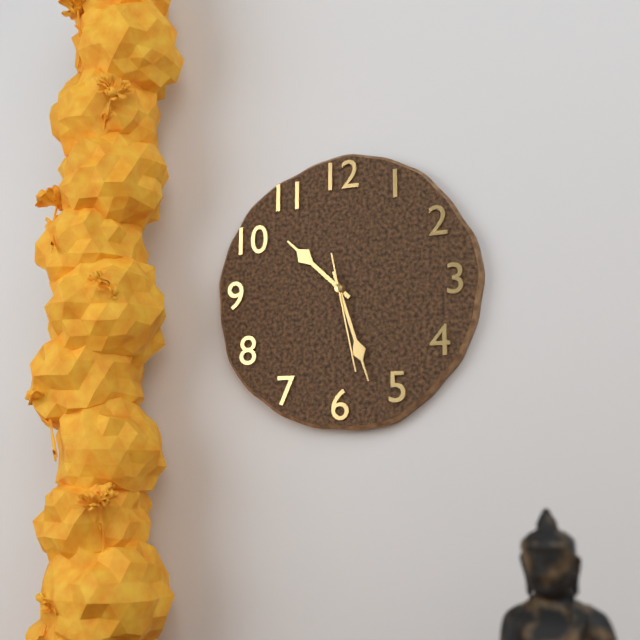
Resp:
h=10 m=27 s=28
